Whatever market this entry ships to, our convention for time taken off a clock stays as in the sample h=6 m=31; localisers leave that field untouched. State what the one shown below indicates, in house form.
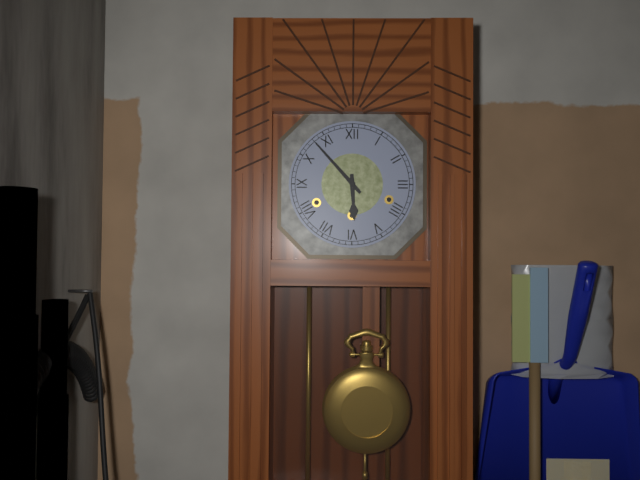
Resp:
h=5 m=53
